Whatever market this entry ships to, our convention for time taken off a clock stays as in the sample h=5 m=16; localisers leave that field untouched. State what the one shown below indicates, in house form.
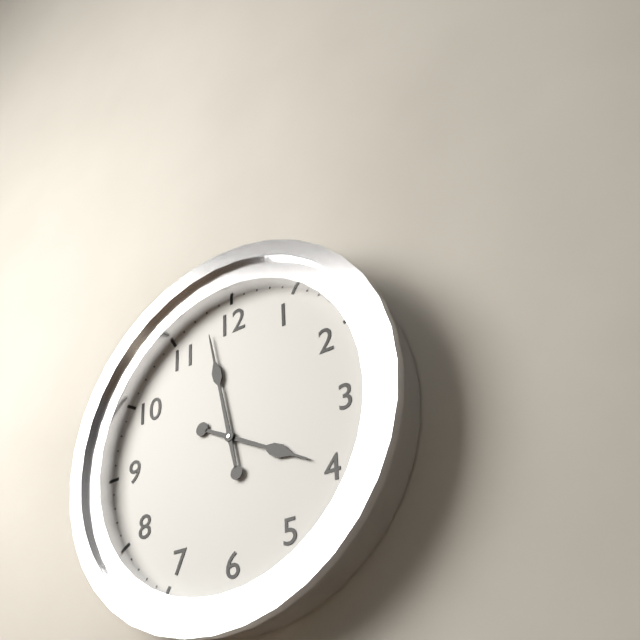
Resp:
h=3 m=58
